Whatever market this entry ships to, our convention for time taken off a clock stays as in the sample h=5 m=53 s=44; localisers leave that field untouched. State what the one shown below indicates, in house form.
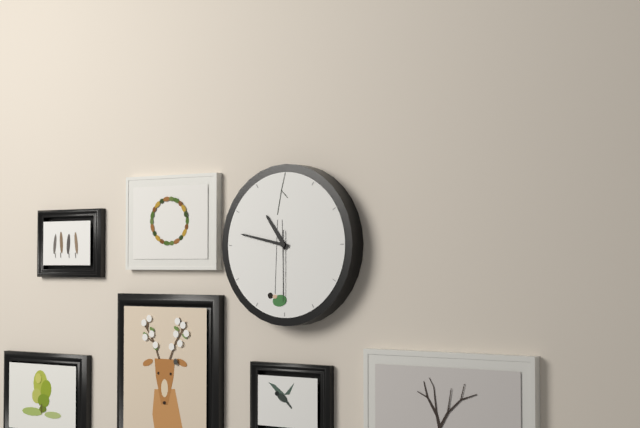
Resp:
h=10 m=47 s=30
